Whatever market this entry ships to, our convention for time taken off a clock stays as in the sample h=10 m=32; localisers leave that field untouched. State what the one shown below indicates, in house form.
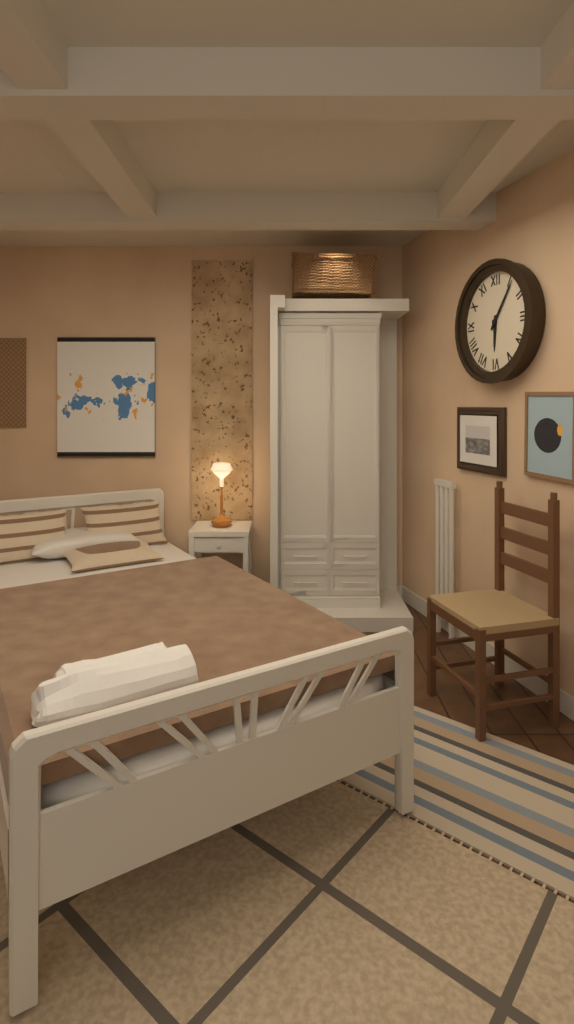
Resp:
h=6 m=6
